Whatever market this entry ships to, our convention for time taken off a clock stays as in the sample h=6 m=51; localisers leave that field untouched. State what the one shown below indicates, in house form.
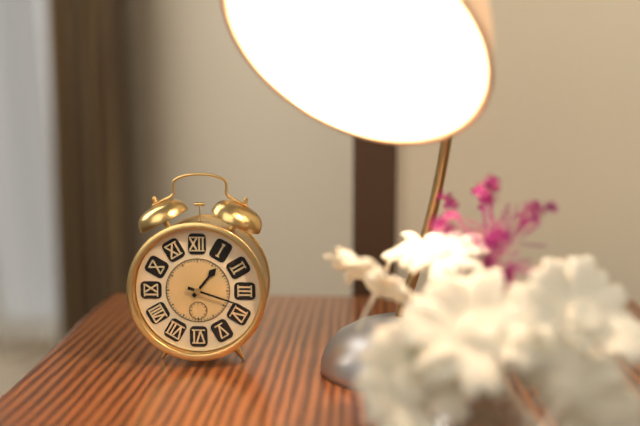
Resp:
h=1 m=18
